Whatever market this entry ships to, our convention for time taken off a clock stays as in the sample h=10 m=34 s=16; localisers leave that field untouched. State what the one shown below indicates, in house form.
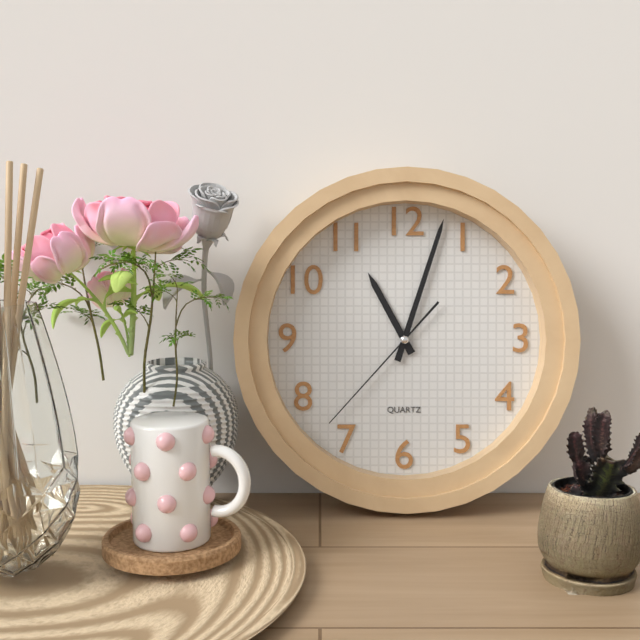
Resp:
h=11 m=3 s=37
